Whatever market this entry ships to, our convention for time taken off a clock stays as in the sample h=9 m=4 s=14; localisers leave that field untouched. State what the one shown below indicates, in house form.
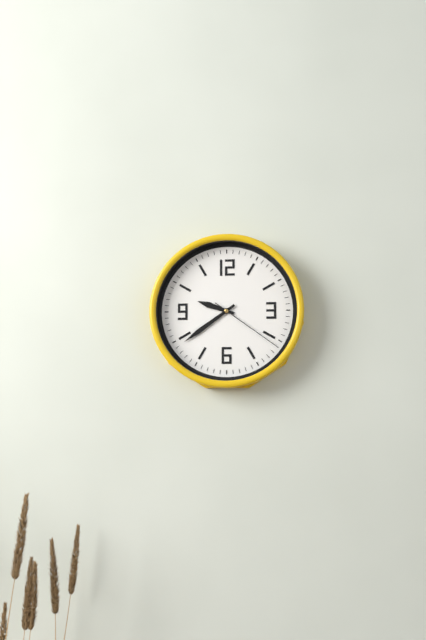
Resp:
h=9 m=39 s=21
